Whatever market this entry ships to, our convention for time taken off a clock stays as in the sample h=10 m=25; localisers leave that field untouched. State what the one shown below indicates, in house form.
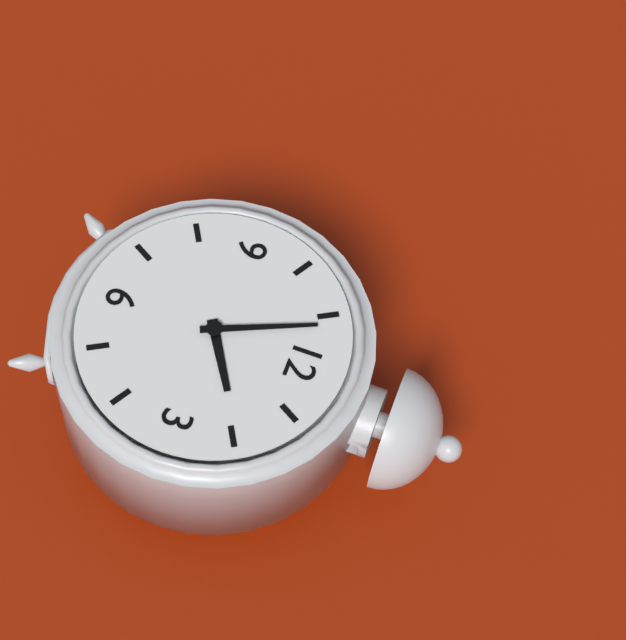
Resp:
h=1 m=56
